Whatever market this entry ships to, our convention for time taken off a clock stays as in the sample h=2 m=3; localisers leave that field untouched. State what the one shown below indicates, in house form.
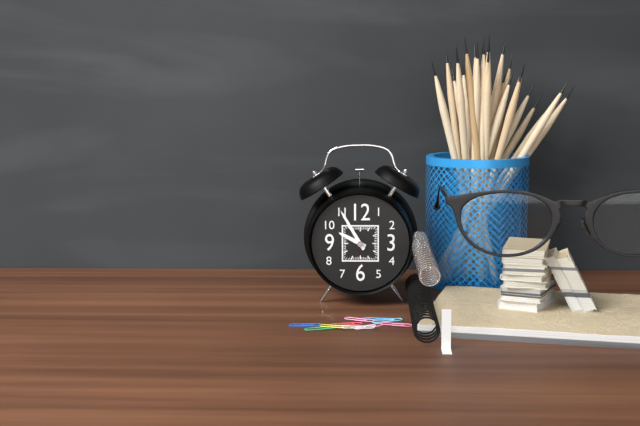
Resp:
h=9 m=55
